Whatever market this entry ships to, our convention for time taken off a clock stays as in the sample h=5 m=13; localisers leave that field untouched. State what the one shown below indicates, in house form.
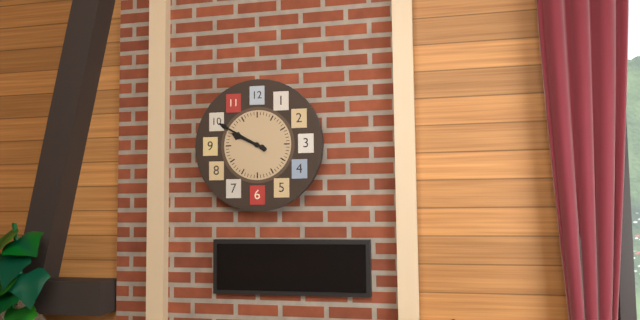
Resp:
h=9 m=50
